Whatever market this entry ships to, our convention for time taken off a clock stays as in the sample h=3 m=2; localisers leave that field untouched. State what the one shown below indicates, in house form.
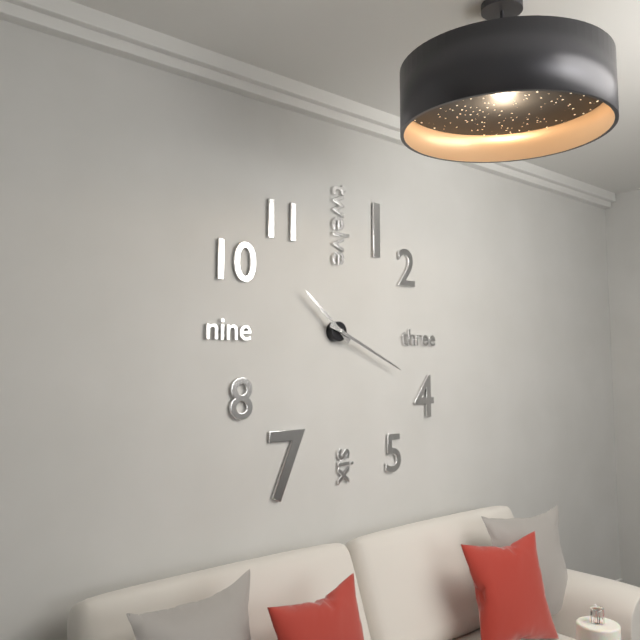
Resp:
h=10 m=19
